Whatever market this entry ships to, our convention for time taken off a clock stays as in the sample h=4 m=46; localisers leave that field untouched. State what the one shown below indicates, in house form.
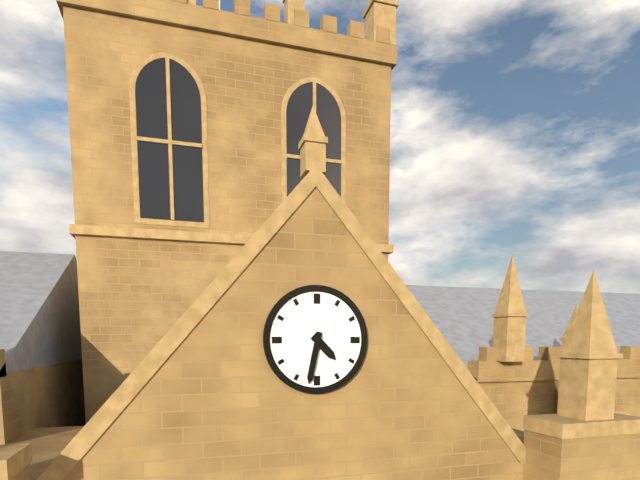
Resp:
h=4 m=32
